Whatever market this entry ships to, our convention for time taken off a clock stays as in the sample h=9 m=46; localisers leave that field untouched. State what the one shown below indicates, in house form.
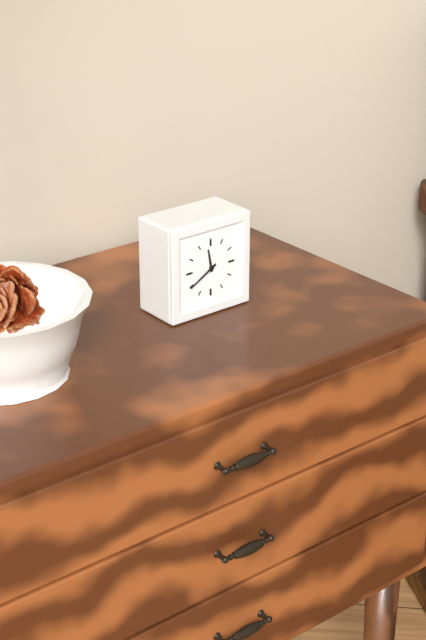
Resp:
h=11 m=40
